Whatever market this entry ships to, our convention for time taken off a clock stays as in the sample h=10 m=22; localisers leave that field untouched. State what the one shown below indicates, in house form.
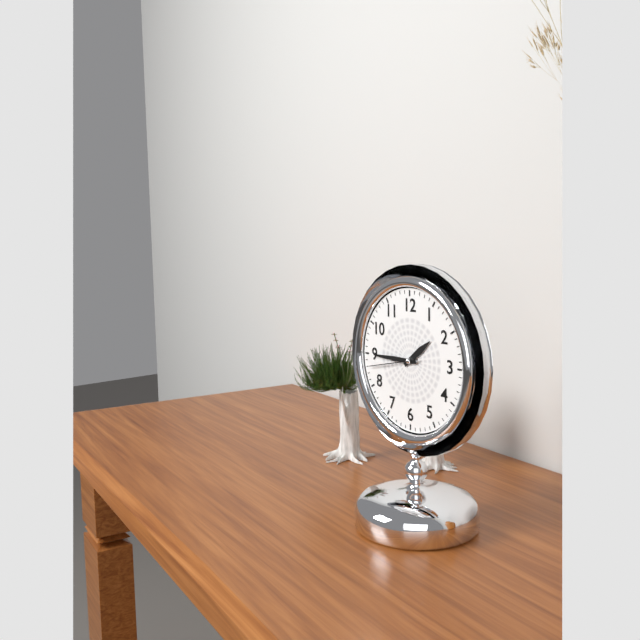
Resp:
h=1 m=45
